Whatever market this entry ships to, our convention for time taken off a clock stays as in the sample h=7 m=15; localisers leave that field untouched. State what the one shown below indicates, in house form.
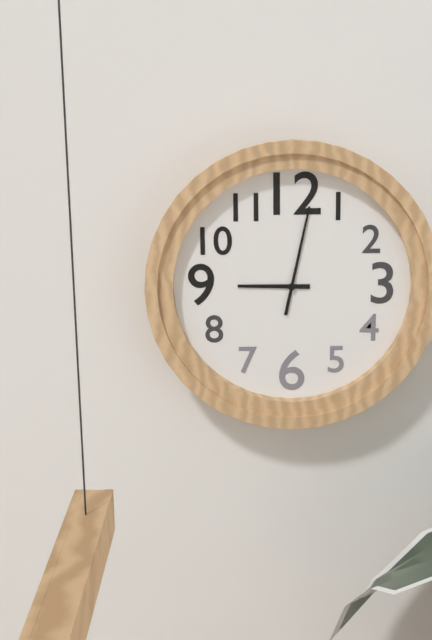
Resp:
h=9 m=2
